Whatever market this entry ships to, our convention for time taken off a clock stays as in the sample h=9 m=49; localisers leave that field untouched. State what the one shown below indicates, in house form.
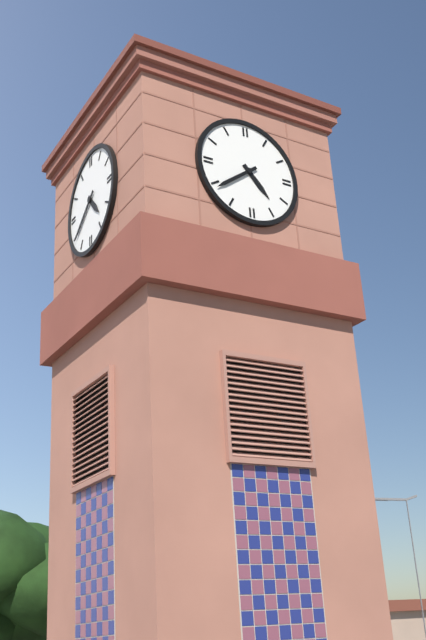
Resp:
h=4 m=39
